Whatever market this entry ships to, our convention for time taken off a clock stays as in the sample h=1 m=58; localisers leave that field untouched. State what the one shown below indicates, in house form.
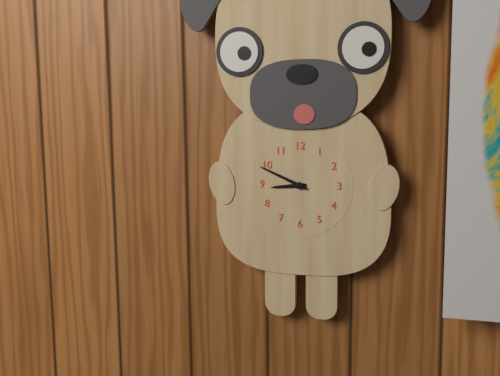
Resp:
h=8 m=49
